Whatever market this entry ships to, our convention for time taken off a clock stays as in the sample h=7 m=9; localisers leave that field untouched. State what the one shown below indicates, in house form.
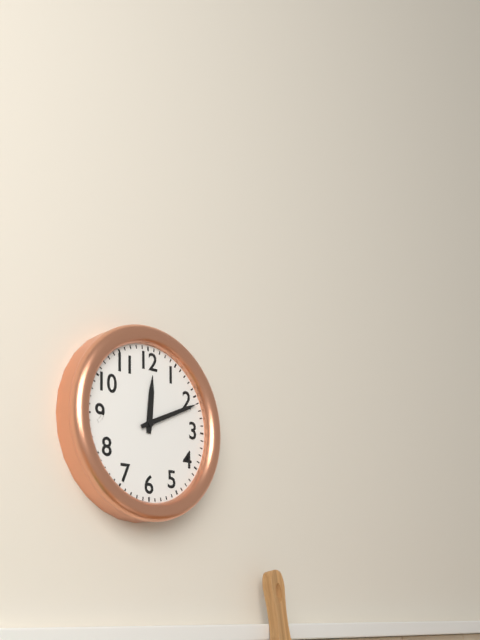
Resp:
h=12 m=11
